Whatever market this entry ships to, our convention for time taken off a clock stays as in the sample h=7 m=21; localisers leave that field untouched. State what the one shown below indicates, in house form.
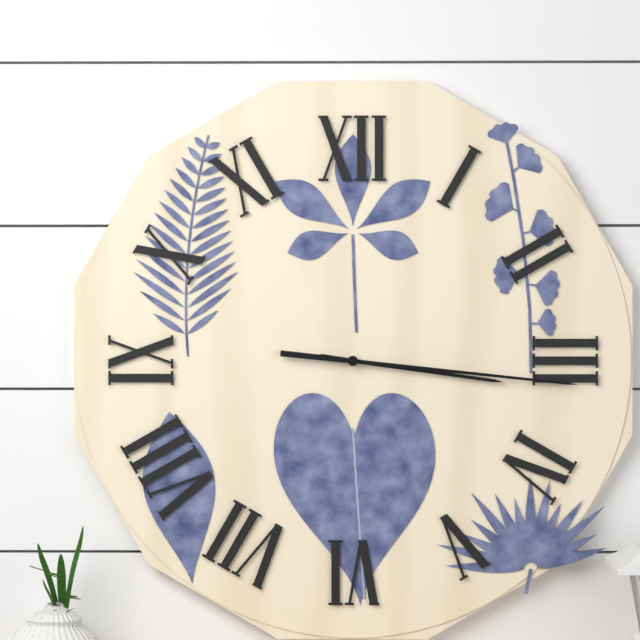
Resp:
h=3 m=16
